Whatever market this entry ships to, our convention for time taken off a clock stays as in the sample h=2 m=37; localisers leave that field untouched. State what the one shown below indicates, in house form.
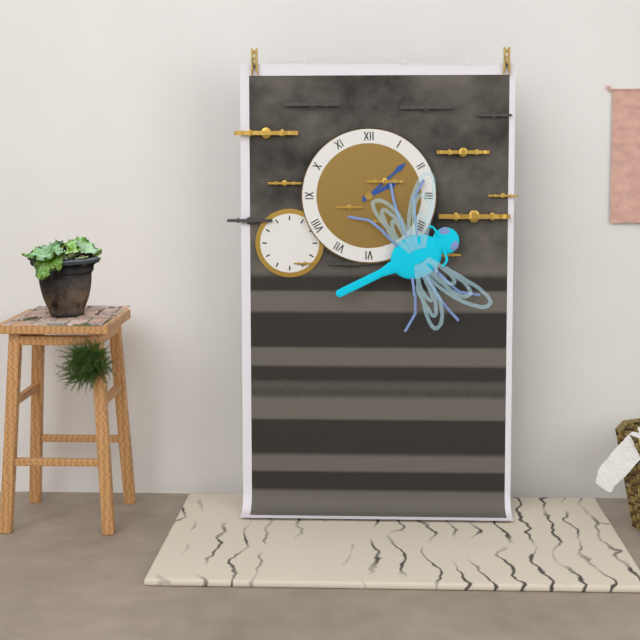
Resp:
h=2 m=8
